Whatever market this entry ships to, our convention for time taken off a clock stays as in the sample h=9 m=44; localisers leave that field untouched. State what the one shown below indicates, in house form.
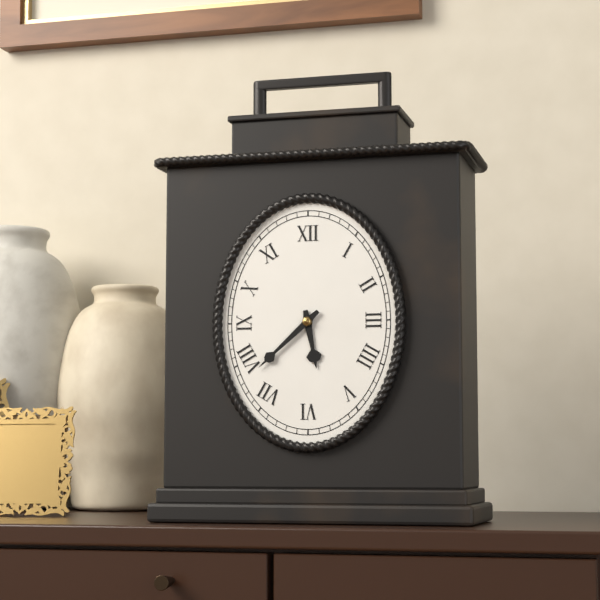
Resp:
h=5 m=38
